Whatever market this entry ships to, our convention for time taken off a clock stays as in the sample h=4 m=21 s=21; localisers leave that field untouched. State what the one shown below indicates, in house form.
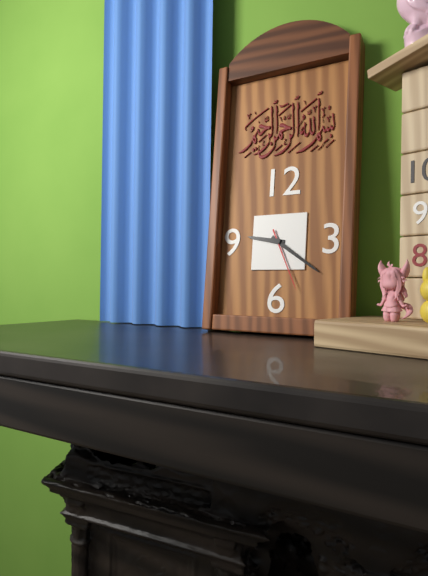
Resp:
h=9 m=21 s=26
